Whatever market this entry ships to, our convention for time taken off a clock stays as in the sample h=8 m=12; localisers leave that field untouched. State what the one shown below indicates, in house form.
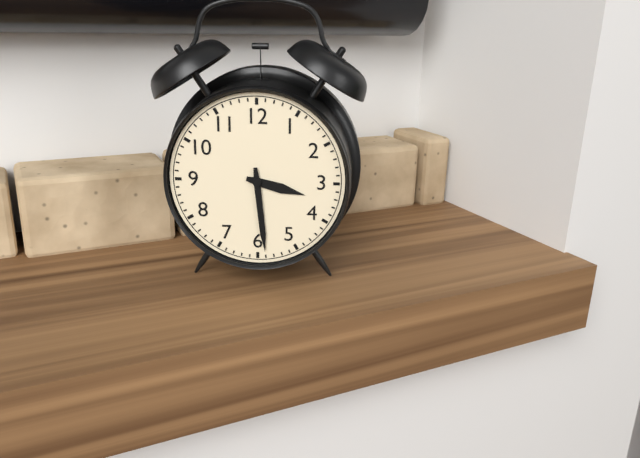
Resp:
h=3 m=29
